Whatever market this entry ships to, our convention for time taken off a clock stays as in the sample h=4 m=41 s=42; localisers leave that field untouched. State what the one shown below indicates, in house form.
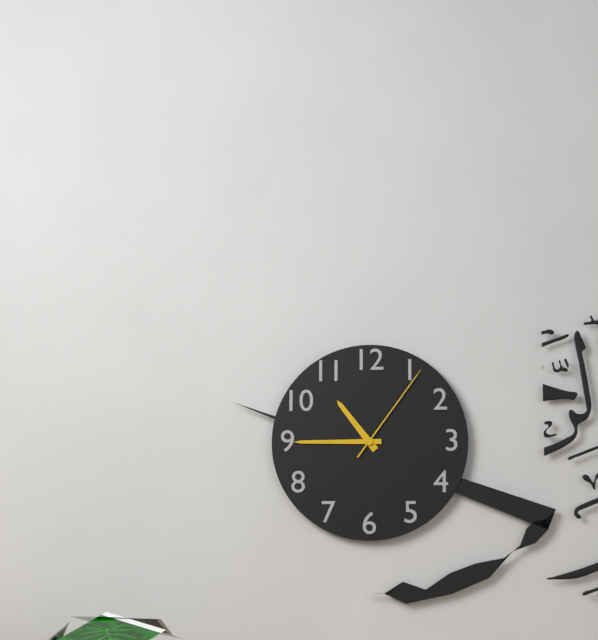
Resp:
h=10 m=45 s=6
